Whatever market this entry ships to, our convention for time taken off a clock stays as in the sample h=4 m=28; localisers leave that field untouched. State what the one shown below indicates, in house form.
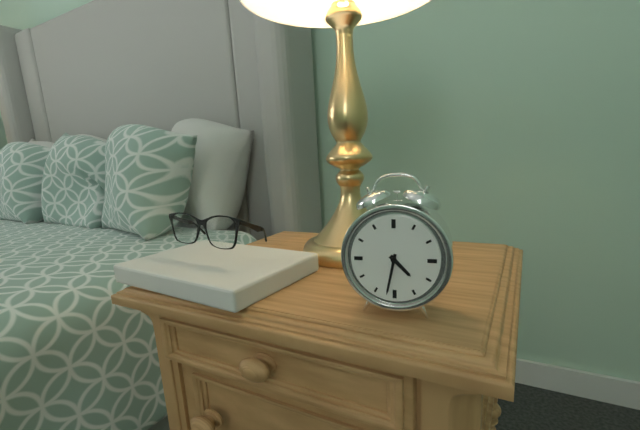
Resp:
h=4 m=32
